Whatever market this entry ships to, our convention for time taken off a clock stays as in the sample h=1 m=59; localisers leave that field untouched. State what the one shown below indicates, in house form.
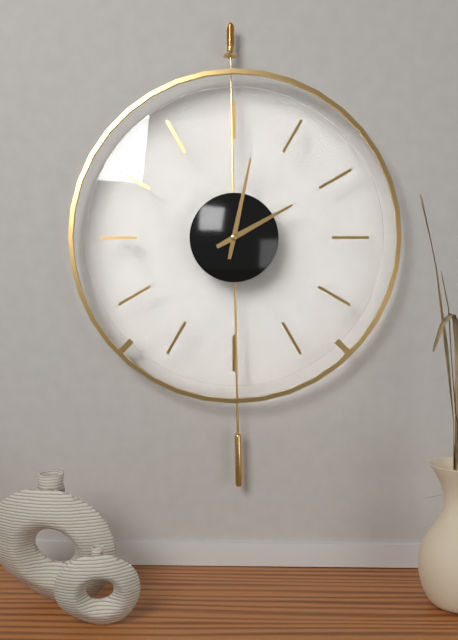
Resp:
h=2 m=2
